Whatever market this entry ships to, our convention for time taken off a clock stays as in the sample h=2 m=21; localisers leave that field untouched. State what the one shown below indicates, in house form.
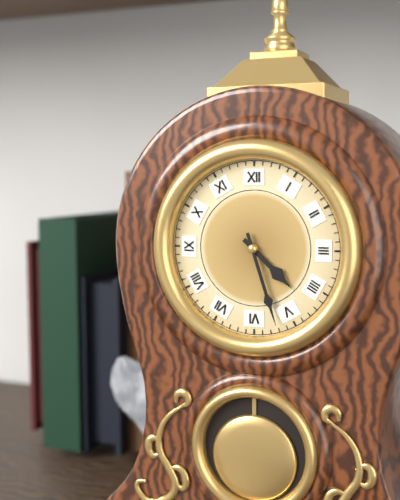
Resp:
h=4 m=27
